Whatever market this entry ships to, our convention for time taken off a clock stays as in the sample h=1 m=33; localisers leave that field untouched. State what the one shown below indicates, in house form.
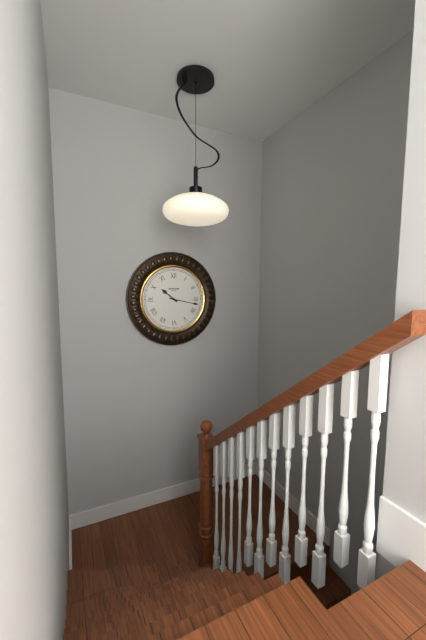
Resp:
h=10 m=17
